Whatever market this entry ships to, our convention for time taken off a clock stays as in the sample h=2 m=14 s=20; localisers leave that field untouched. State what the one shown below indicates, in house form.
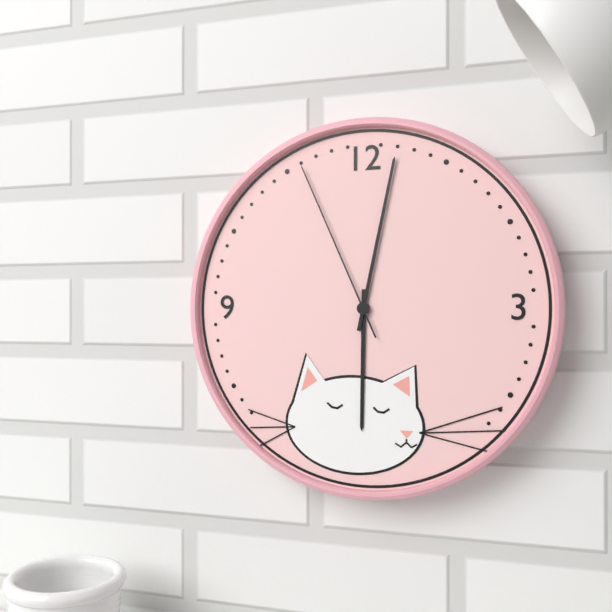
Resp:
h=6 m=2 s=56
